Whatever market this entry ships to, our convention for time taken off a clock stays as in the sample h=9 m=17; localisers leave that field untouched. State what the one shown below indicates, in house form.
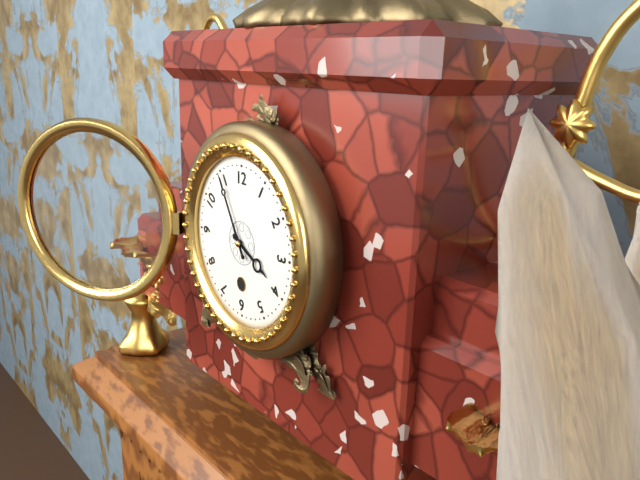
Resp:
h=3 m=55
